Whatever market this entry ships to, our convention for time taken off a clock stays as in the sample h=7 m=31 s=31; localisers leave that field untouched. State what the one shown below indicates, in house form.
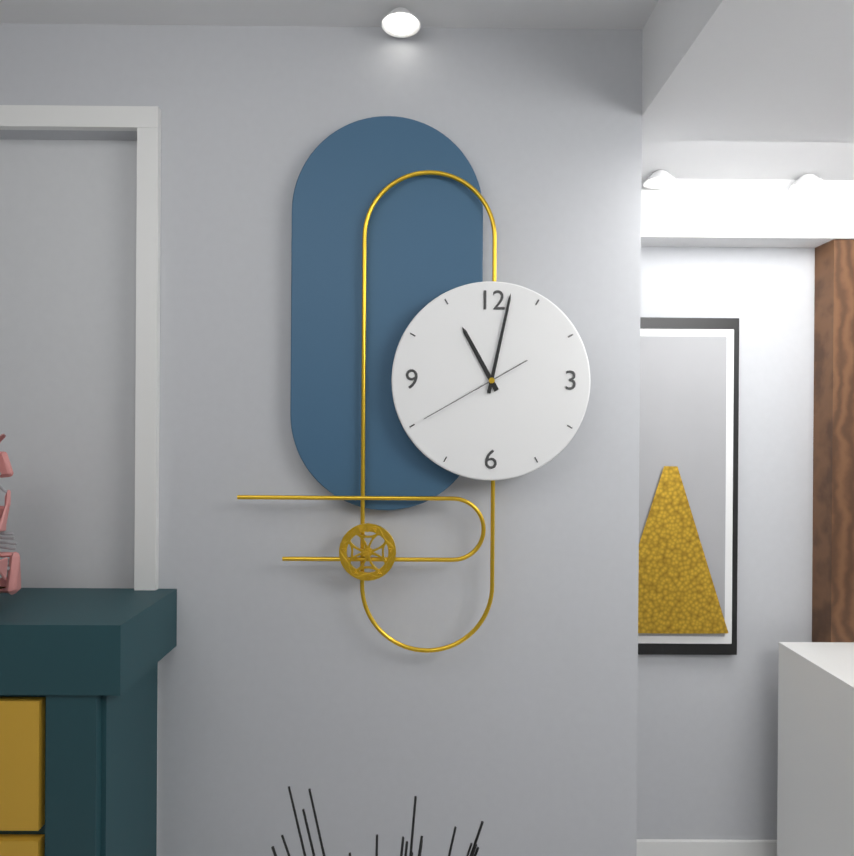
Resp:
h=11 m=2 s=40
